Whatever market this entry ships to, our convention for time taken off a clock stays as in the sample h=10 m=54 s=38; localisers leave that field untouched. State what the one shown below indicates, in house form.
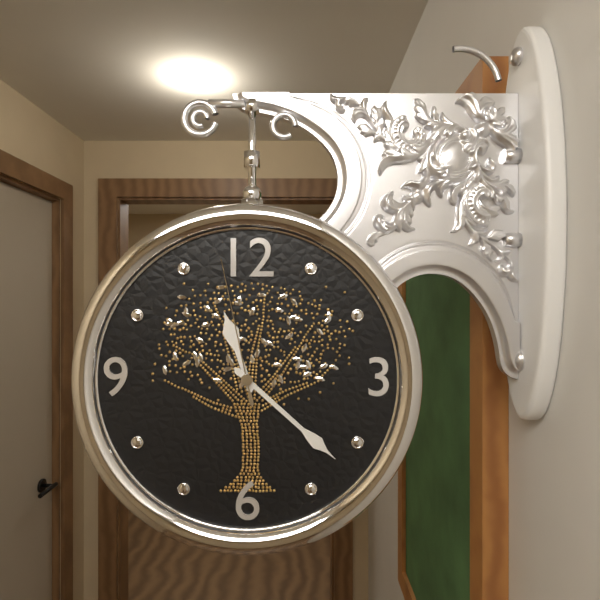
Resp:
h=11 m=22 s=58
